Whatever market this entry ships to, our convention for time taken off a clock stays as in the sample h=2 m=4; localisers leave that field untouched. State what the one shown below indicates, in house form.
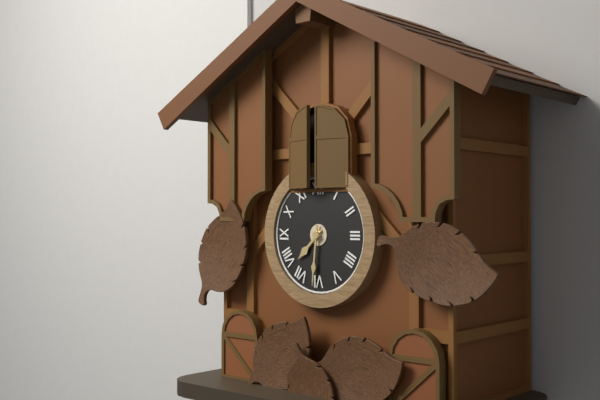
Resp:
h=7 m=31
